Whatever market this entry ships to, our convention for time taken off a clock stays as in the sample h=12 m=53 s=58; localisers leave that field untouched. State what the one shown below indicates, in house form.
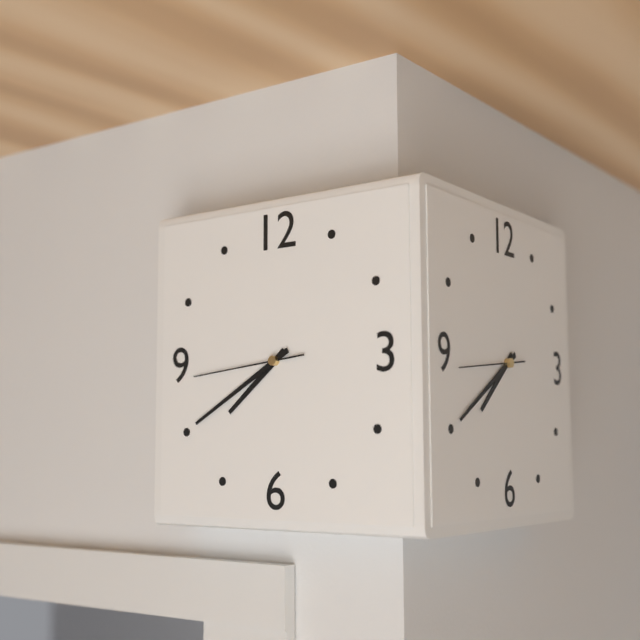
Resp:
h=7 m=40 s=44
